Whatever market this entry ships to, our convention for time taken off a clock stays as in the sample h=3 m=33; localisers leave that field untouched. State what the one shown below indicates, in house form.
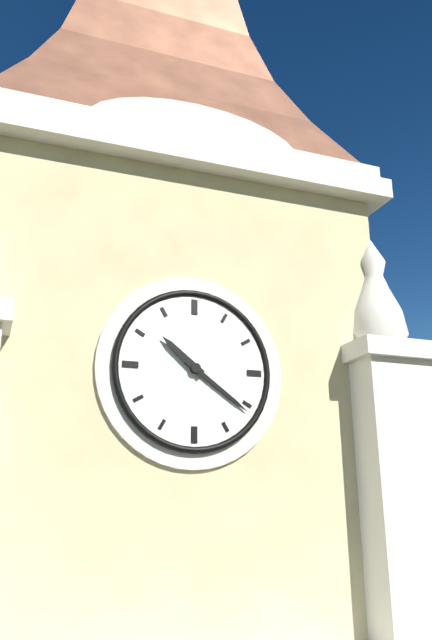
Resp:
h=10 m=21
